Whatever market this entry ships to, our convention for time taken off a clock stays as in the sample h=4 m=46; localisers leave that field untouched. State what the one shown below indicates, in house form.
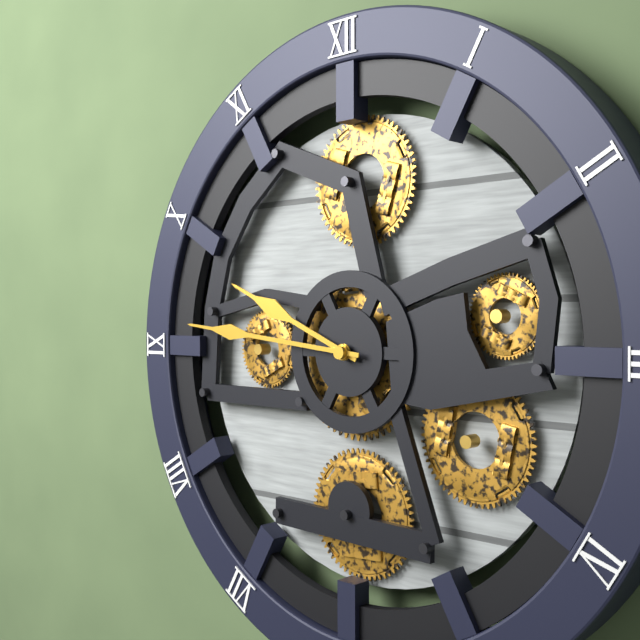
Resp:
h=9 m=46
